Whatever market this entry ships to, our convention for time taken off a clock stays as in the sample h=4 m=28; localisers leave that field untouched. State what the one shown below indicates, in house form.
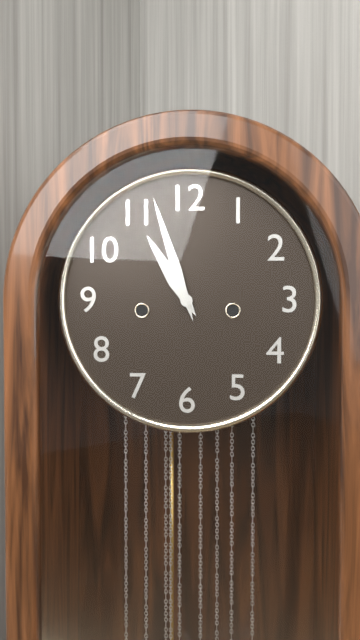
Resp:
h=10 m=57
